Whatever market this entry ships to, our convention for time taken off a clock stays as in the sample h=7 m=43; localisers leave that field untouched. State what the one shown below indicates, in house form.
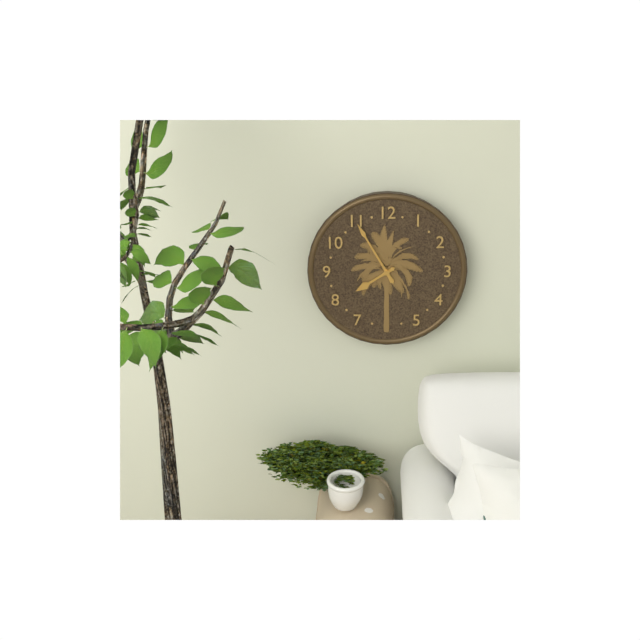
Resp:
h=7 m=55
